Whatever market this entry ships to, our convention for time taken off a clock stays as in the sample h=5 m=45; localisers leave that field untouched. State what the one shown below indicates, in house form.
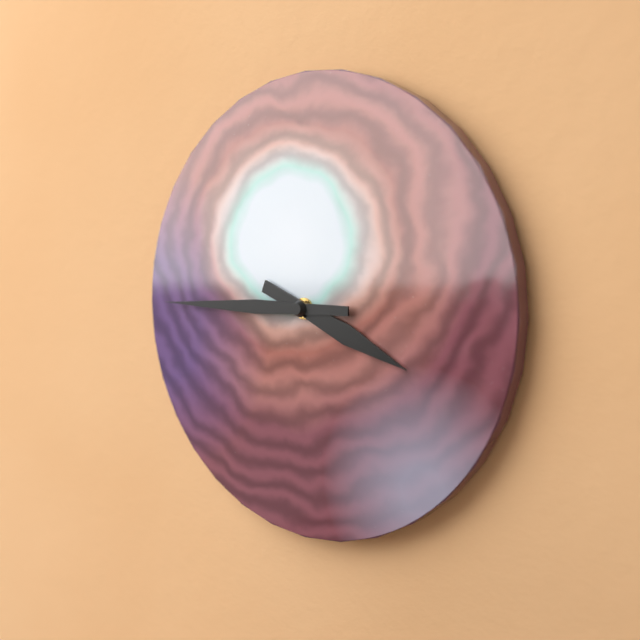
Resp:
h=3 m=45
